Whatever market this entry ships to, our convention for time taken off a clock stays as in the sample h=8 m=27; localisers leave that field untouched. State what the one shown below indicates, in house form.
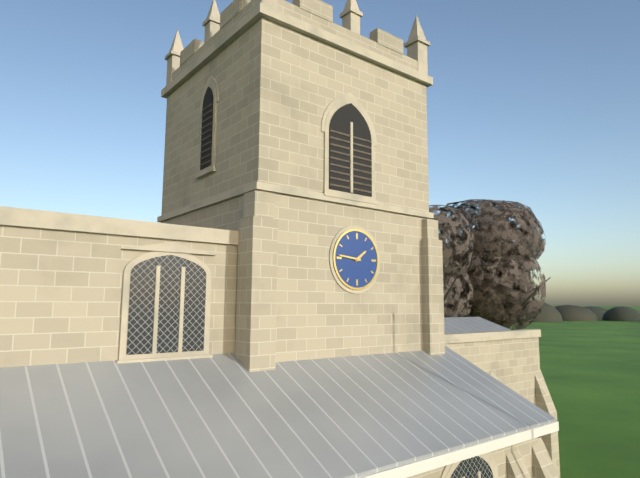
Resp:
h=1 m=46
